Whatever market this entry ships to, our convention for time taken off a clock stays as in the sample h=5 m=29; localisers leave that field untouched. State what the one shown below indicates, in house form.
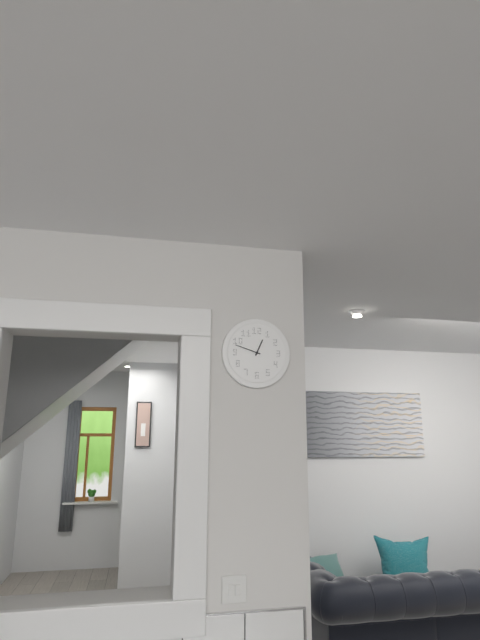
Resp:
h=12 m=48
